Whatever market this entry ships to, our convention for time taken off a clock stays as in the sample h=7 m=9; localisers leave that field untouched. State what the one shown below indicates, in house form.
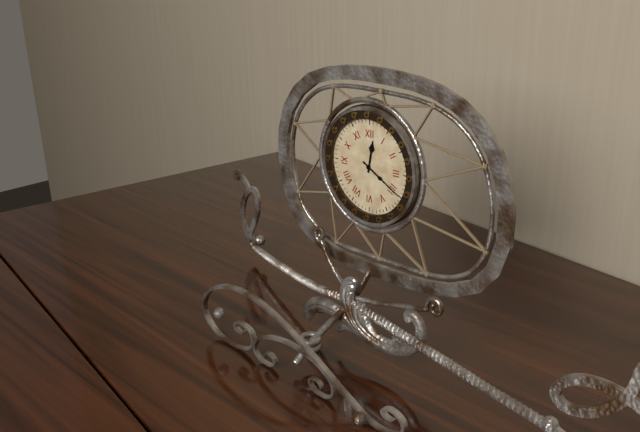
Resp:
h=12 m=20
